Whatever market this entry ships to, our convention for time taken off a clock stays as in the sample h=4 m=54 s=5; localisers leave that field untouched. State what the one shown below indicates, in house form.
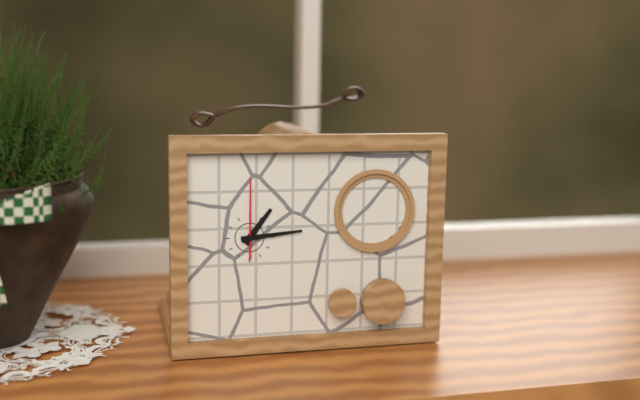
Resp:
h=1 m=14 s=0
